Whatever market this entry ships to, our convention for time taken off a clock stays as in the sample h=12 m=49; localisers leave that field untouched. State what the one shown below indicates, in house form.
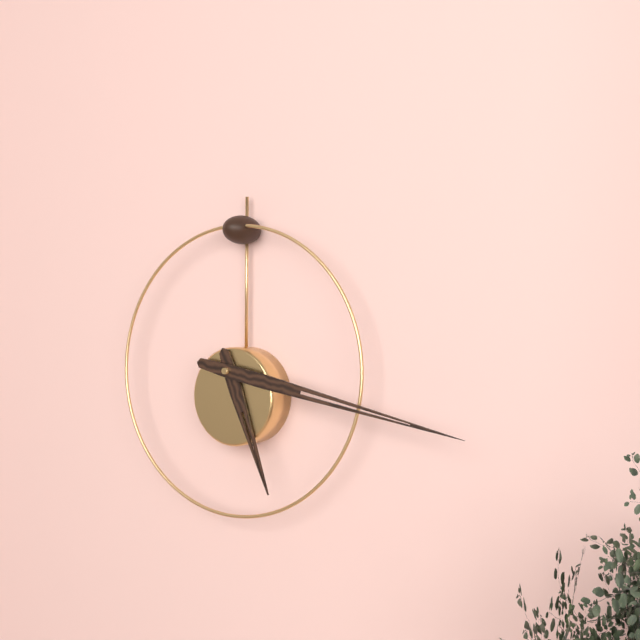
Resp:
h=5 m=17
